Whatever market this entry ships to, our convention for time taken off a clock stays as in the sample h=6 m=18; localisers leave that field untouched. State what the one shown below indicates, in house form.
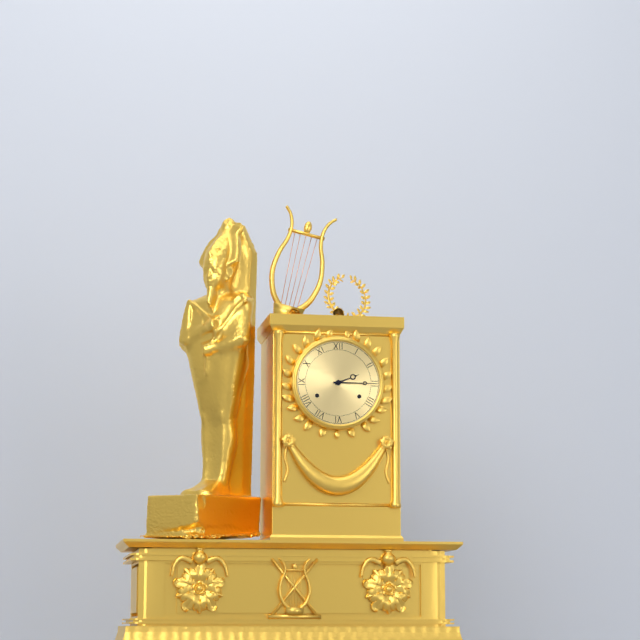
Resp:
h=2 m=15
